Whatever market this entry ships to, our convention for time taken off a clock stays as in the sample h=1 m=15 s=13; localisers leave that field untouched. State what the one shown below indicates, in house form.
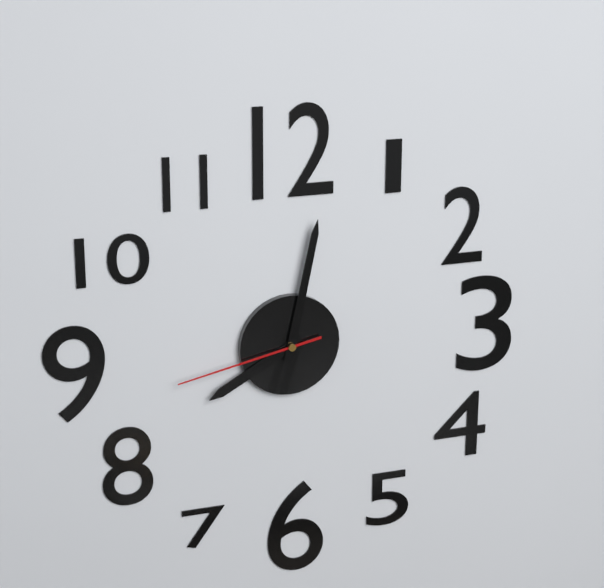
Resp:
h=8 m=2 s=43
